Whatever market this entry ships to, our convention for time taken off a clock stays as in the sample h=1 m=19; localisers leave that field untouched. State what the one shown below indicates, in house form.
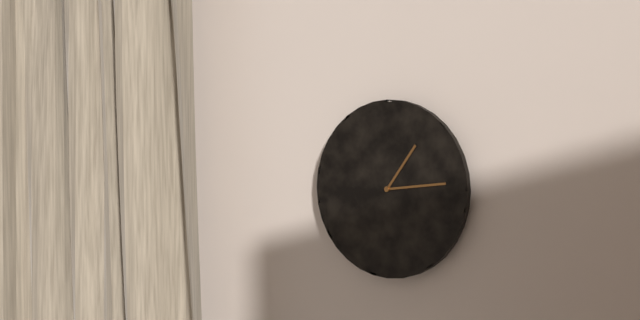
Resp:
h=1 m=14
